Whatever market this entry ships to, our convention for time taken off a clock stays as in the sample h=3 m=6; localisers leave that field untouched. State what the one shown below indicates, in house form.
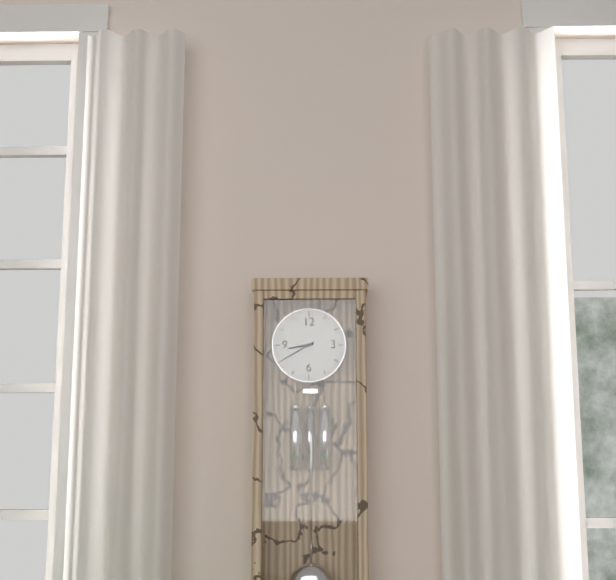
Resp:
h=8 m=40
